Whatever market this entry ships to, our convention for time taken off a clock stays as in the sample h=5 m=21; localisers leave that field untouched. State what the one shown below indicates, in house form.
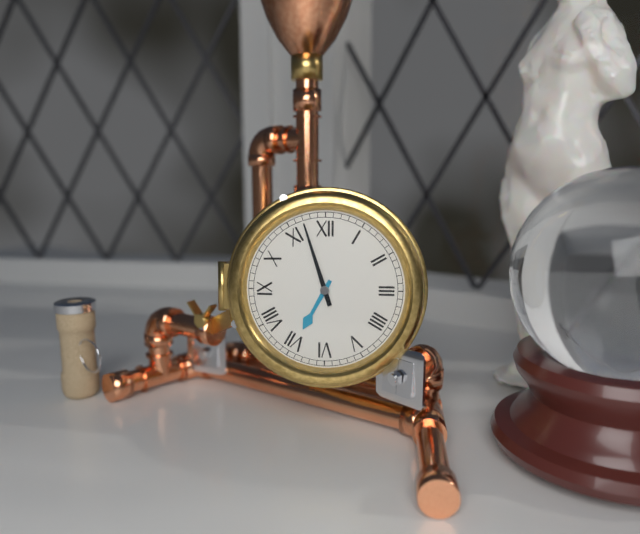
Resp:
h=6 m=57
